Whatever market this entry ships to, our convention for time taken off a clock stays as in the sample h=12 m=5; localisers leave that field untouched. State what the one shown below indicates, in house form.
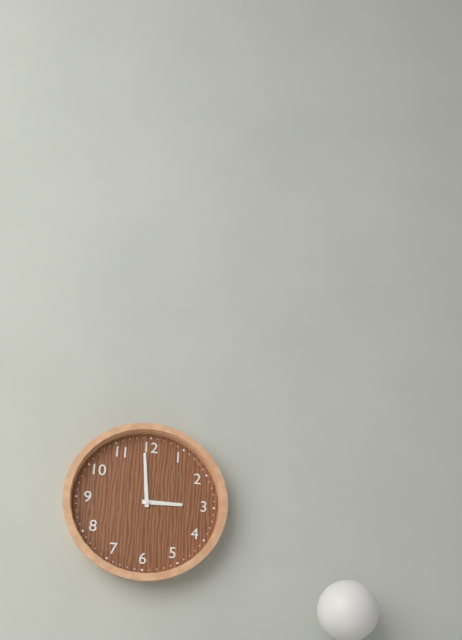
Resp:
h=2 m=59
